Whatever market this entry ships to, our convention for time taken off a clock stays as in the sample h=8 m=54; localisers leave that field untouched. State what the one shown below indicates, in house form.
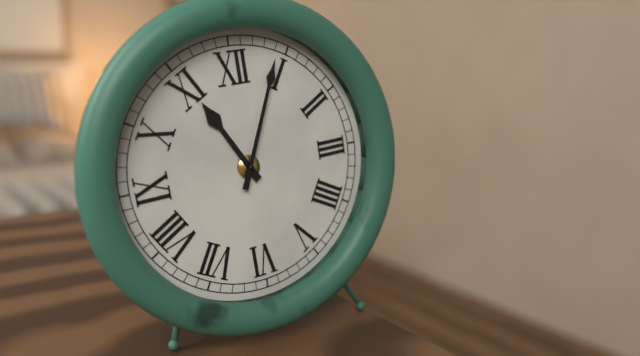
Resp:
h=11 m=4
